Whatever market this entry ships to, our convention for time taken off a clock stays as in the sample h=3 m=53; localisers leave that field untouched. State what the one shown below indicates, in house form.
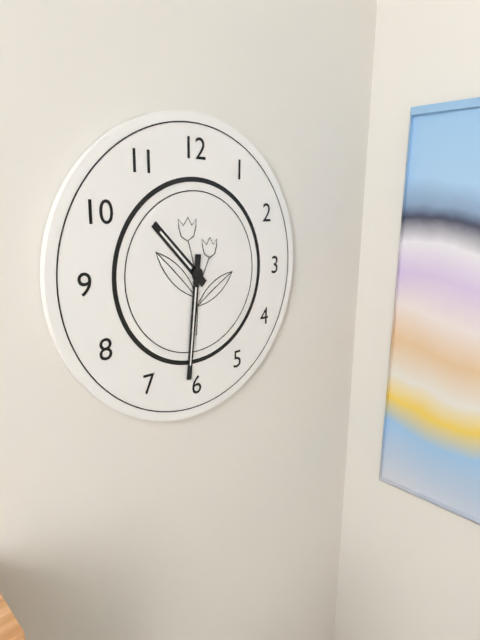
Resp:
h=10 m=31
